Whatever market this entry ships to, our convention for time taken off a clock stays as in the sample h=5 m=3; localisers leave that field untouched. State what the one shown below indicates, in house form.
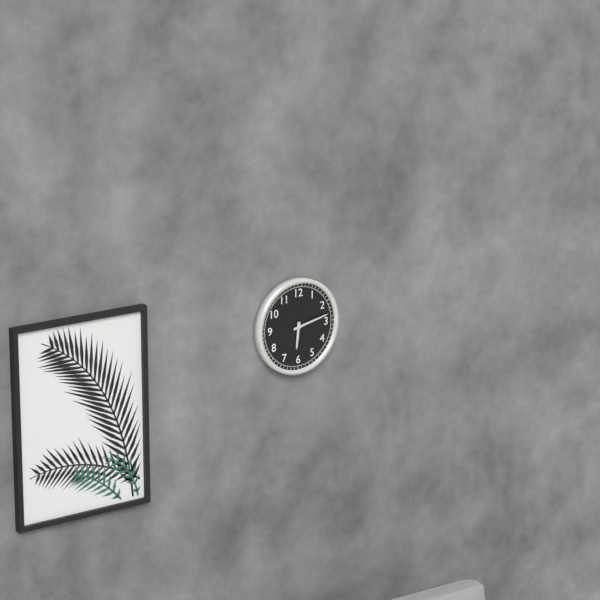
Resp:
h=6 m=13
